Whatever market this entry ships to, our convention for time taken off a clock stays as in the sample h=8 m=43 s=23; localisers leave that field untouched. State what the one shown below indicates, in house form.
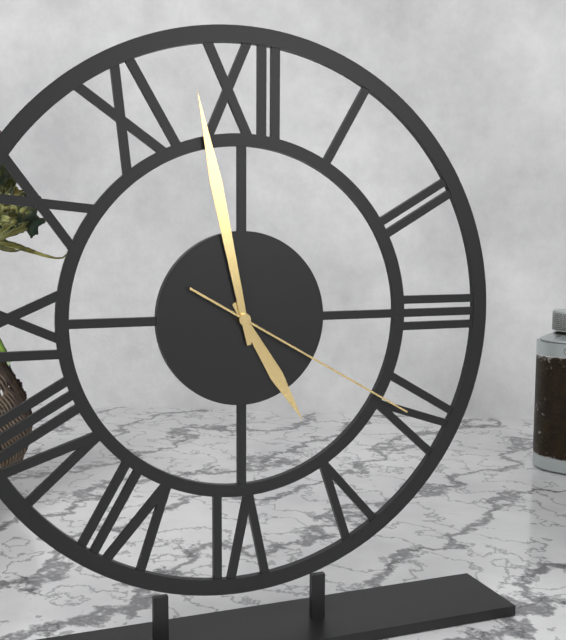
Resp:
h=4 m=58 s=20
